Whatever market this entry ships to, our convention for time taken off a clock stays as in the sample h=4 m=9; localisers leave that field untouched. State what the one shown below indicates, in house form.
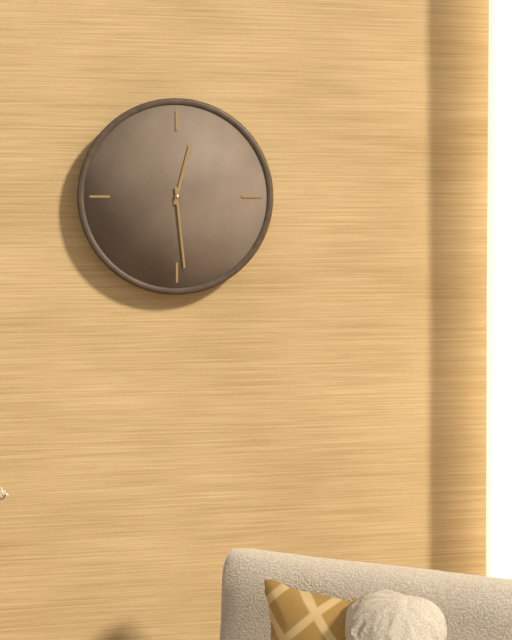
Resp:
h=12 m=29
